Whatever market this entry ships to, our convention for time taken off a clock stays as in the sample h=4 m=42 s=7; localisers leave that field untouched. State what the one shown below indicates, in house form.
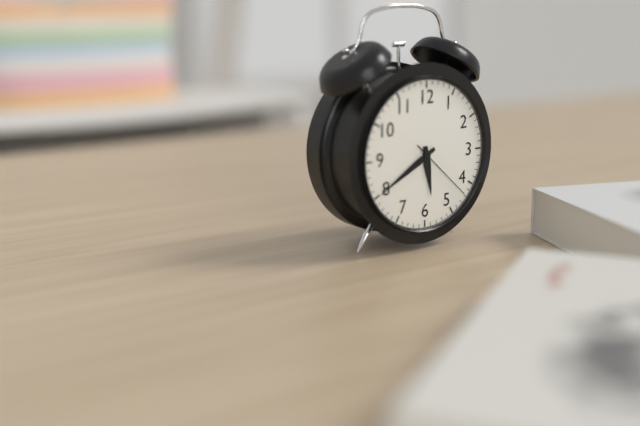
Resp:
h=5 m=40 s=22
